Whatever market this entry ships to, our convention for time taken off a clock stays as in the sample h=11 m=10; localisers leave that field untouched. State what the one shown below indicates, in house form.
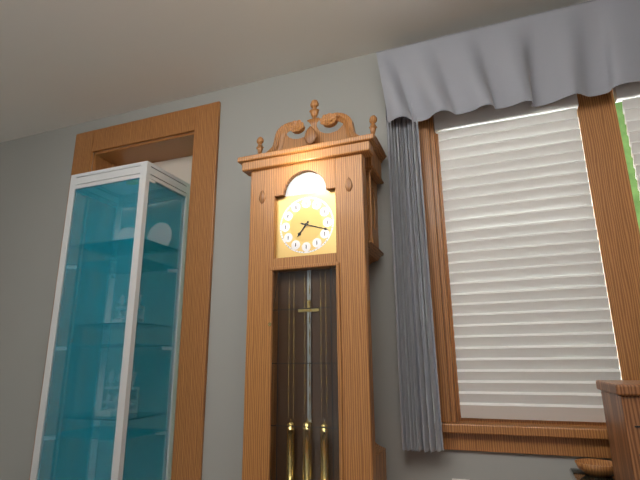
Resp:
h=7 m=18
